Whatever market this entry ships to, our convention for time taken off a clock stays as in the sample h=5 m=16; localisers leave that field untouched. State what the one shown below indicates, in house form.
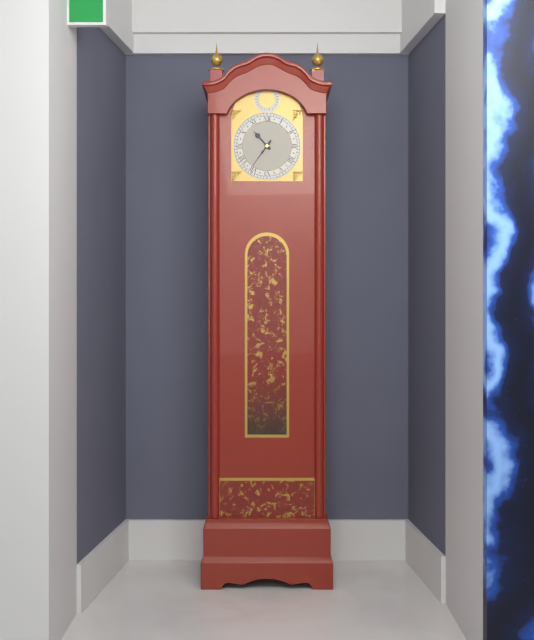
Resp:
h=10 m=36
